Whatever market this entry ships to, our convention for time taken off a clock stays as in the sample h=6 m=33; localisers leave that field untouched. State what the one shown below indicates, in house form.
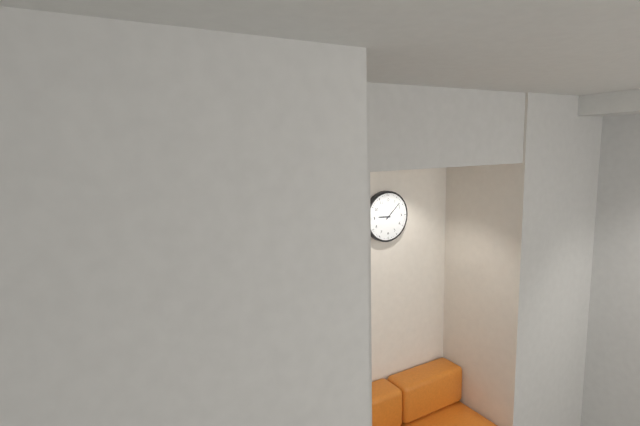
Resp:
h=9 m=8
